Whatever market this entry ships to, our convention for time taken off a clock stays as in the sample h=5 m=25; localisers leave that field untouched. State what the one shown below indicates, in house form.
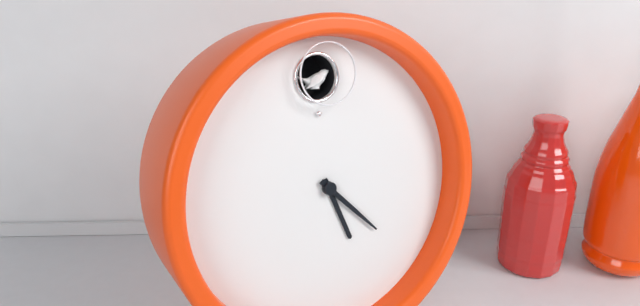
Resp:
h=5 m=23
